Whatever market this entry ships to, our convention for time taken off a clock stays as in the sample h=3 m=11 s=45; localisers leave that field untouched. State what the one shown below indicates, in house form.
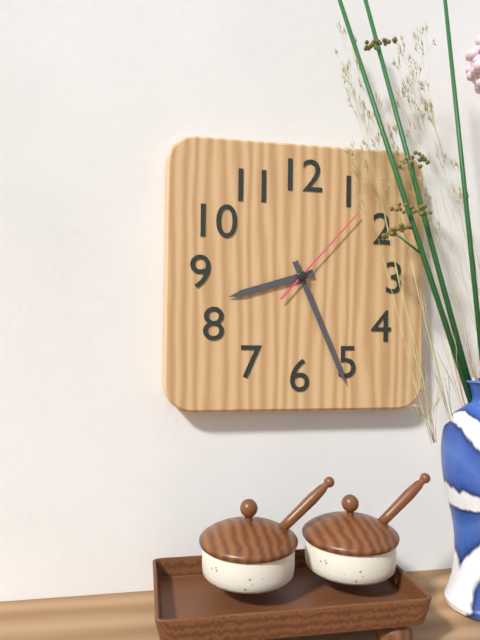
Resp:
h=8 m=26 s=7
